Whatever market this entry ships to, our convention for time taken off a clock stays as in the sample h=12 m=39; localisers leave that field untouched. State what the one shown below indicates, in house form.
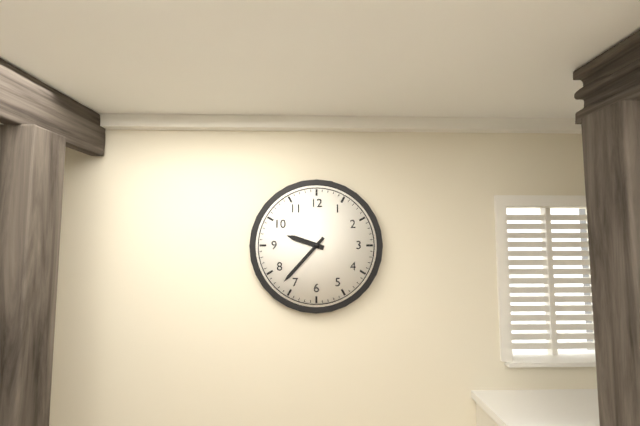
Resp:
h=9 m=37
